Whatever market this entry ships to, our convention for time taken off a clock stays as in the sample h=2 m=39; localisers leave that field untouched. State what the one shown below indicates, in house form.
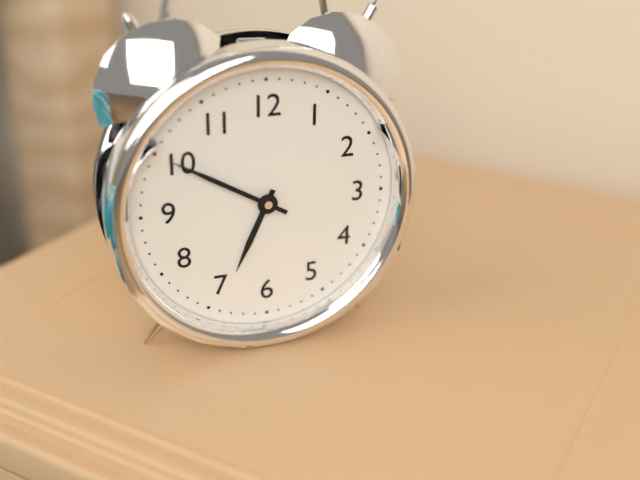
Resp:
h=6 m=50
